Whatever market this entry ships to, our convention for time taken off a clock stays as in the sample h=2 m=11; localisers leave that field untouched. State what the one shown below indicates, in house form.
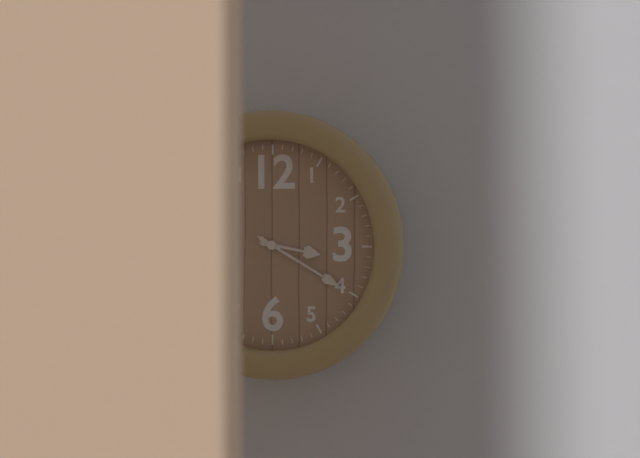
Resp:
h=3 m=20
